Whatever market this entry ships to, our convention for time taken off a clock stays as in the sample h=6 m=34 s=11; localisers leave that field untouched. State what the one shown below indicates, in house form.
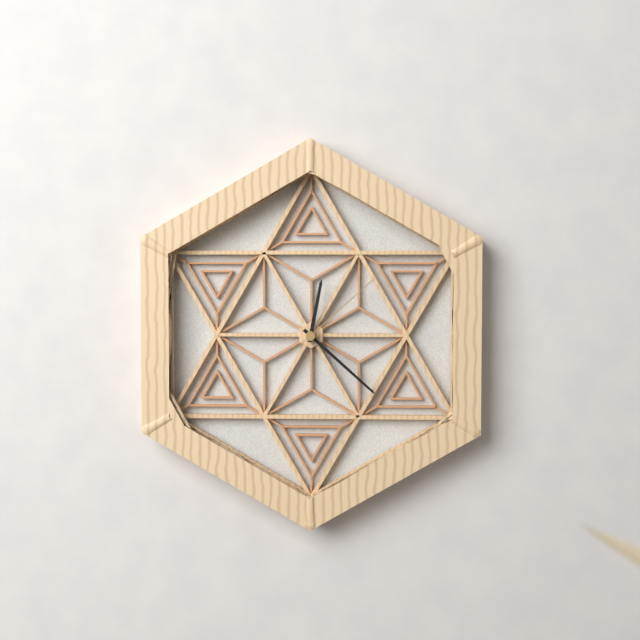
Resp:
h=12 m=22 s=8
